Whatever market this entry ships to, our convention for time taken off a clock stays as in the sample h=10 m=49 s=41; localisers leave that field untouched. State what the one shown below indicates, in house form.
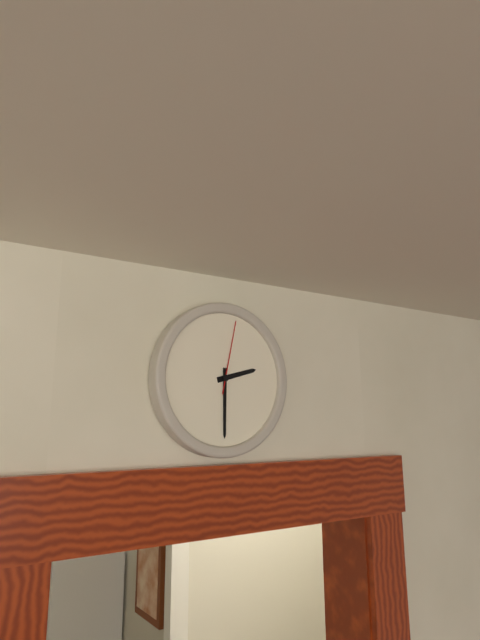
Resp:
h=2 m=30 s=2
